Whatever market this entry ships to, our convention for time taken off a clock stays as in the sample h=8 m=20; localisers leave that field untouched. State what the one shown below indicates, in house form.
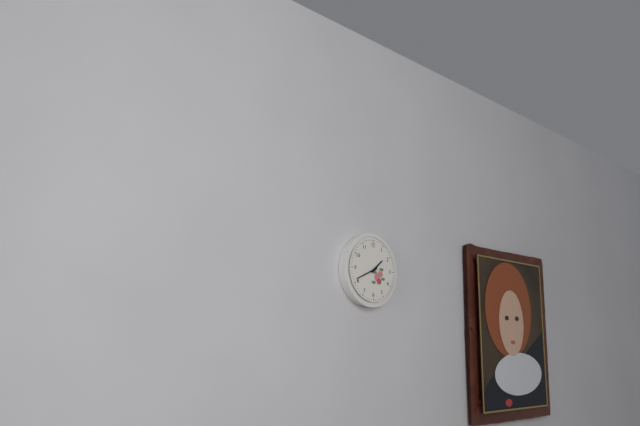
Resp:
h=1 m=41
